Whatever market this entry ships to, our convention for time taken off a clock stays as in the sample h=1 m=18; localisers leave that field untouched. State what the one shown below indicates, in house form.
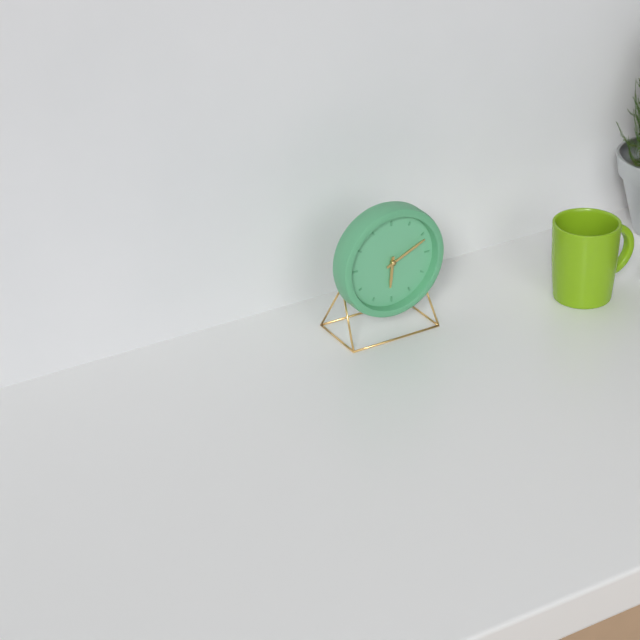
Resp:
h=6 m=11
